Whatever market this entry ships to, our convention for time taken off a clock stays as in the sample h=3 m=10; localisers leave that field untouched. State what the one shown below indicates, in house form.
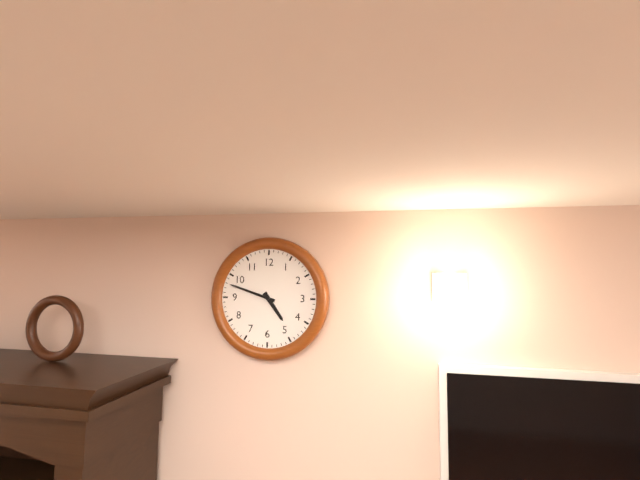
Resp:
h=4 m=48
